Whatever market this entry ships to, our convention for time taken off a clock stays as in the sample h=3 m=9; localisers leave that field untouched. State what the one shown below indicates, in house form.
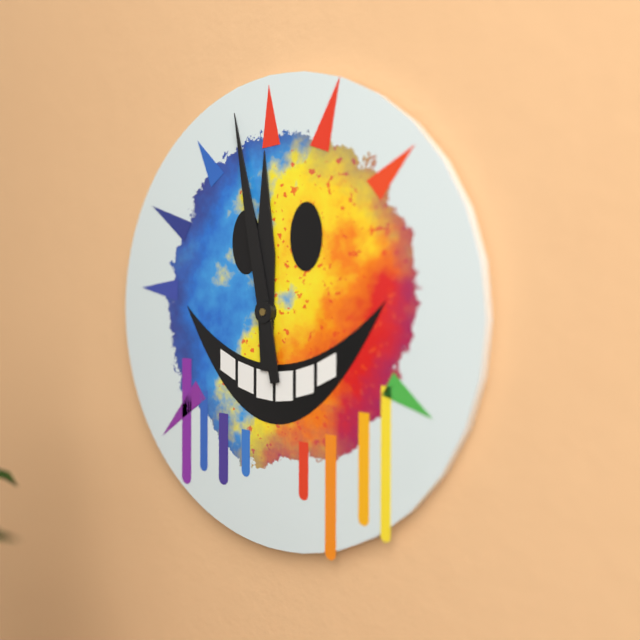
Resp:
h=11 m=58
